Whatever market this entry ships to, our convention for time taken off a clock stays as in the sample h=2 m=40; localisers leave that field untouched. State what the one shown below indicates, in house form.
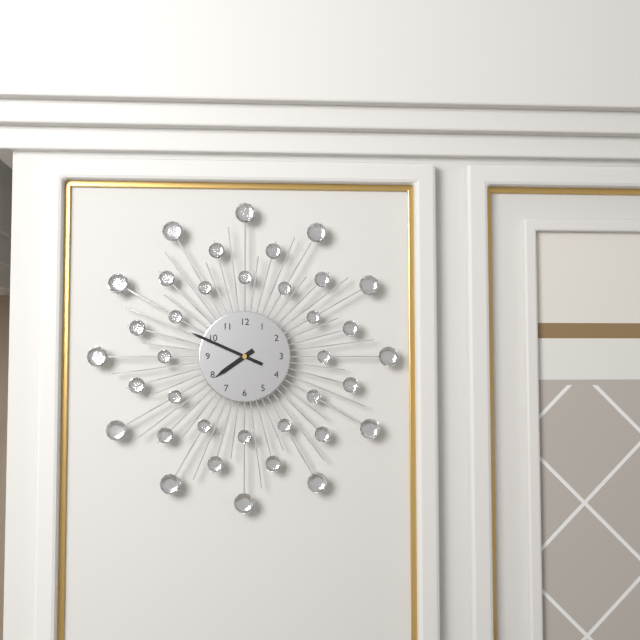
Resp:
h=7 m=49
